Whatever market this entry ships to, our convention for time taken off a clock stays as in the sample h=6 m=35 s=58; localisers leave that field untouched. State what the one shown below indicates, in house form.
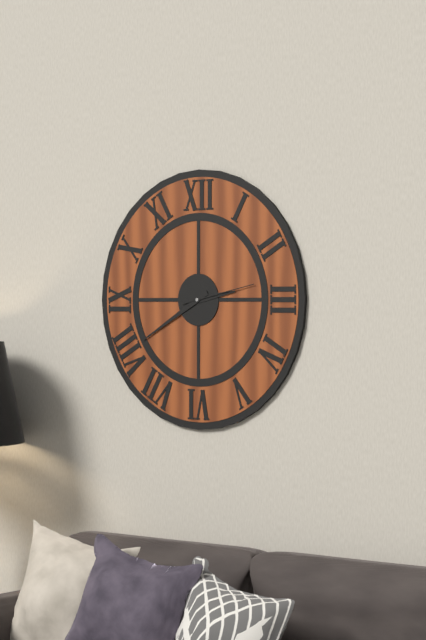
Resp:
h=2 m=40 s=13
